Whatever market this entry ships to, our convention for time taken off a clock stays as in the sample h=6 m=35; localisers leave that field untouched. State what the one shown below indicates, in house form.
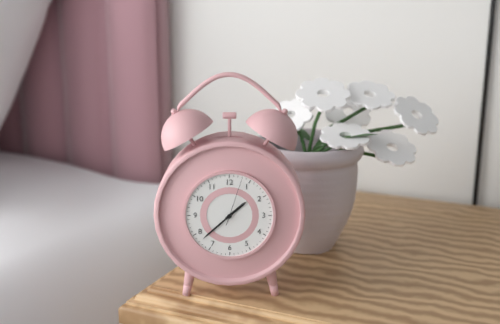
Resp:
h=1 m=38
